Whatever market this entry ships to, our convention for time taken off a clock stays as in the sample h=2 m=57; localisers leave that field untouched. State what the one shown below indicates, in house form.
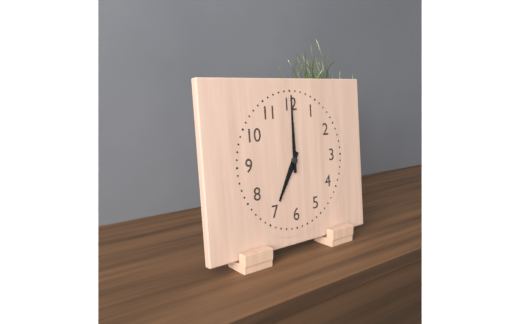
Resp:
h=7 m=0
